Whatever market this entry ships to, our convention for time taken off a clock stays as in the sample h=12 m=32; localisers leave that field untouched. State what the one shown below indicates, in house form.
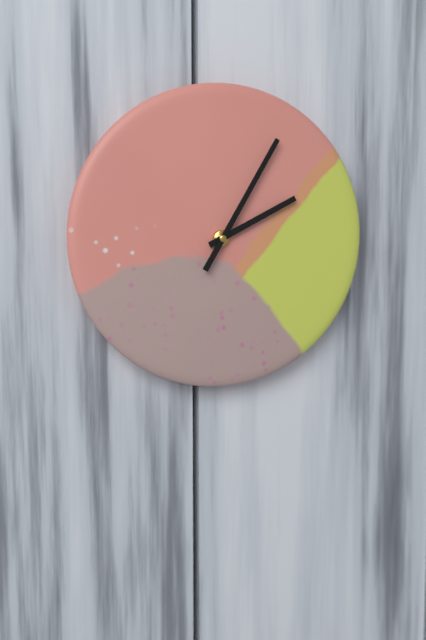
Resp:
h=2 m=5
